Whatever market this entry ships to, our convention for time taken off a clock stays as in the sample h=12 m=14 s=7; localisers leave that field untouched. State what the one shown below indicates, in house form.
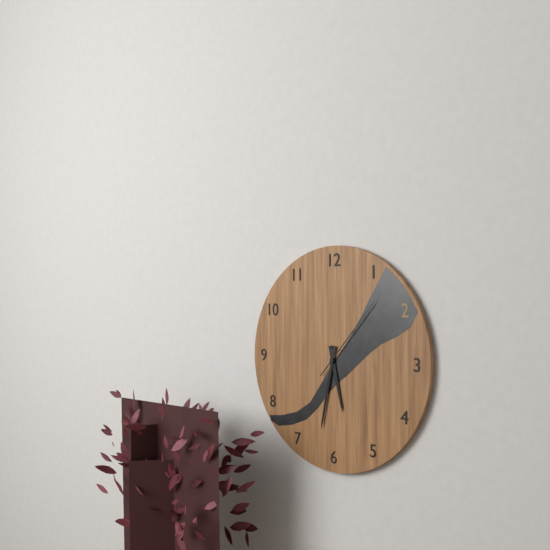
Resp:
h=5 m=32 s=7
